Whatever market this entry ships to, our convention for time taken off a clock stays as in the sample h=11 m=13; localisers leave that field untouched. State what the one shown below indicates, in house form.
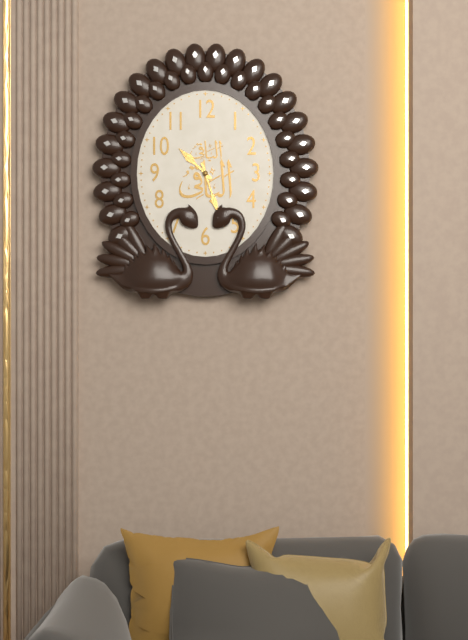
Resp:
h=10 m=27
